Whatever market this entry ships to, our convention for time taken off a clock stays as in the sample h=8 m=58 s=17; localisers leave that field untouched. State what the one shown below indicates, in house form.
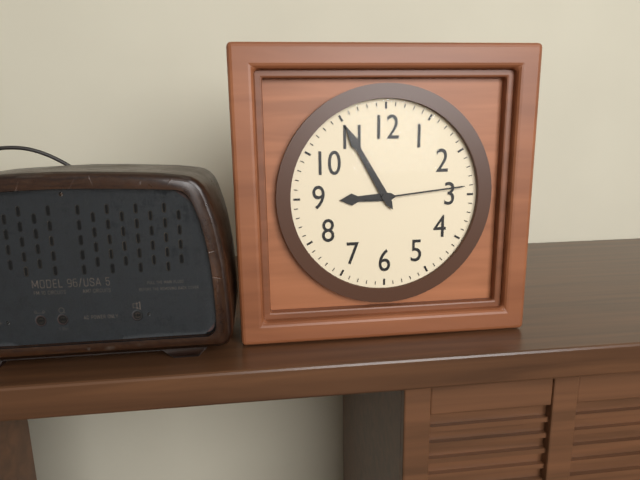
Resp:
h=8 m=55 s=14
